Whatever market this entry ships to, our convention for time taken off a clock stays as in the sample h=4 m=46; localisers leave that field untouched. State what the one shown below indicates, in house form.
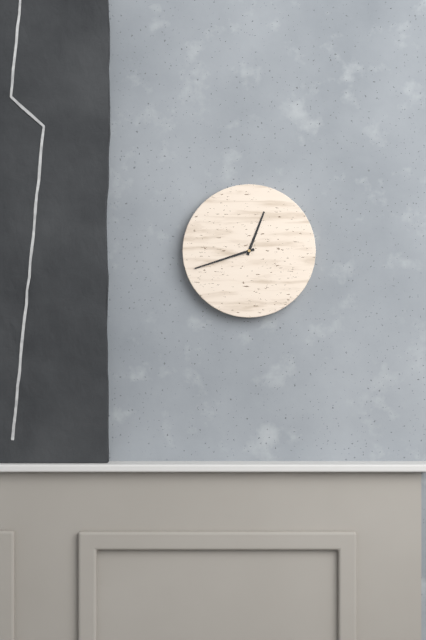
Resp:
h=12 m=42
